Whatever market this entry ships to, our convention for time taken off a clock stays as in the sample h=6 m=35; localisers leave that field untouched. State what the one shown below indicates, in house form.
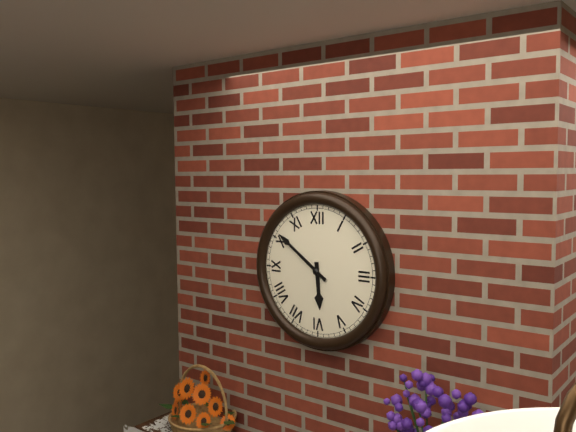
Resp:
h=5 m=51
